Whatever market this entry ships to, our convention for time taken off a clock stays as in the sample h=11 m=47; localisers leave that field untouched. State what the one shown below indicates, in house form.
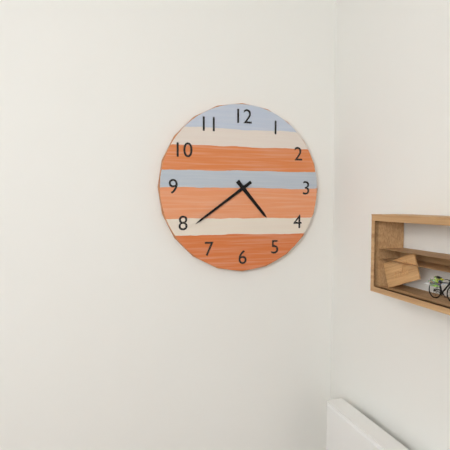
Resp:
h=4 m=39
